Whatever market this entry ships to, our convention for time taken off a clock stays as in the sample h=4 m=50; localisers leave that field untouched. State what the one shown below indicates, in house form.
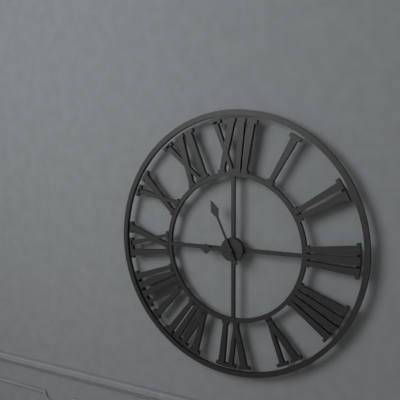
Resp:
h=8 m=56
